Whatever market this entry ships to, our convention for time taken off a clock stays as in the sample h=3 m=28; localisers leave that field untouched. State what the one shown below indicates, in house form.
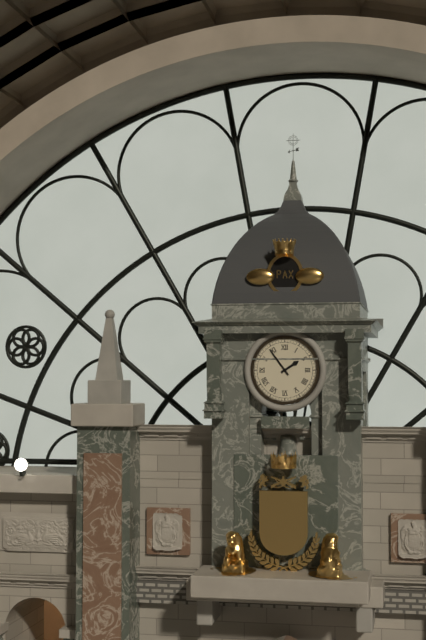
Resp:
h=1 m=54
